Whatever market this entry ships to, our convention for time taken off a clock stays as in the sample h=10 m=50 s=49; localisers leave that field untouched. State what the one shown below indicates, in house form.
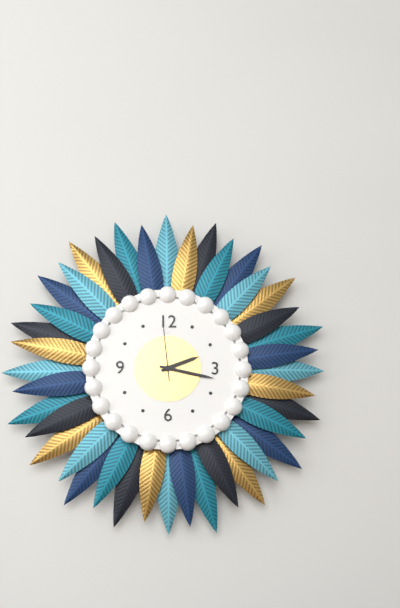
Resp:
h=2 m=17 s=59
